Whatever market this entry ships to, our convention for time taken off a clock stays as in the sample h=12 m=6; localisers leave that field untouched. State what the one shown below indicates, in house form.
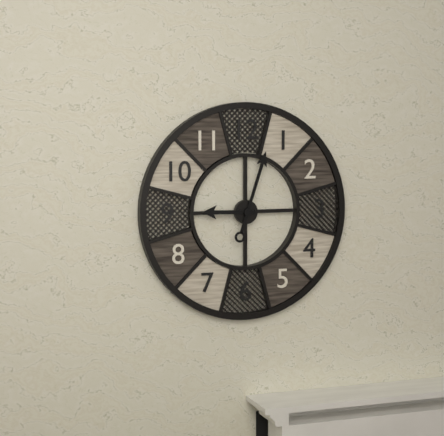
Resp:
h=9 m=3
